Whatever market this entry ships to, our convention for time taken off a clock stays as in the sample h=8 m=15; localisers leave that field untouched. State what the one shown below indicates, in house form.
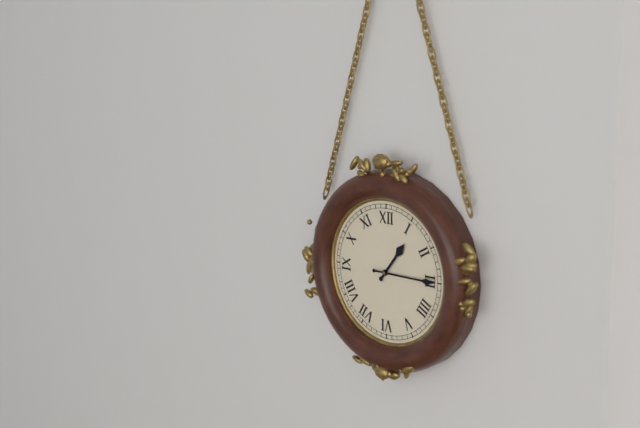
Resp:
h=1 m=15
